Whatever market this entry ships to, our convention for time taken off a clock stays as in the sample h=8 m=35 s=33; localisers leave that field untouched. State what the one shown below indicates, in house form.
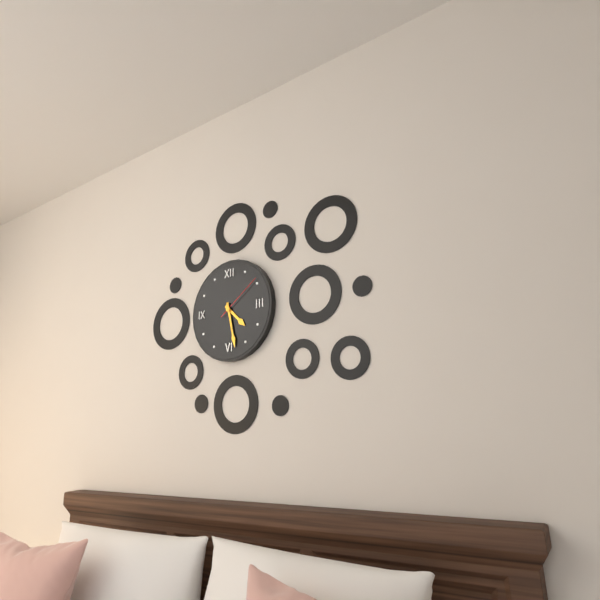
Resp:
h=4 m=28 s=9
